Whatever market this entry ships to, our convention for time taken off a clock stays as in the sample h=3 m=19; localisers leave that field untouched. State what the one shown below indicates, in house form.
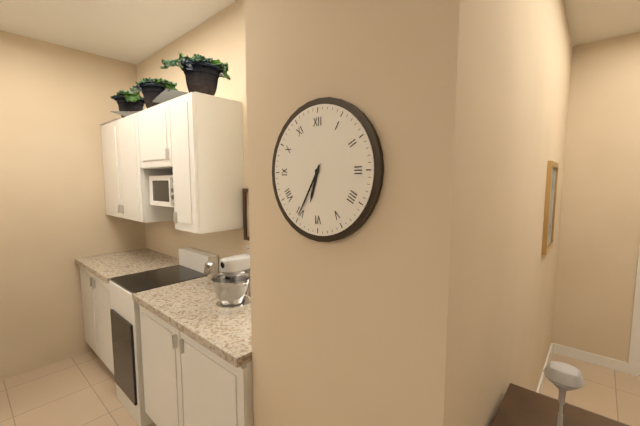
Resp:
h=6 m=35
